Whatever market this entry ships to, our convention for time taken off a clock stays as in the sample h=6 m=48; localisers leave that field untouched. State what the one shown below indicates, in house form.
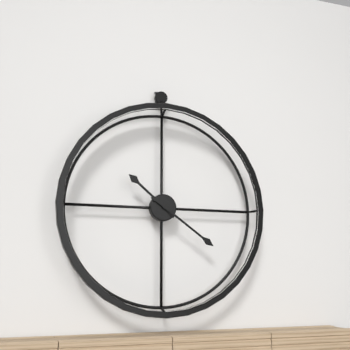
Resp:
h=10 m=21
